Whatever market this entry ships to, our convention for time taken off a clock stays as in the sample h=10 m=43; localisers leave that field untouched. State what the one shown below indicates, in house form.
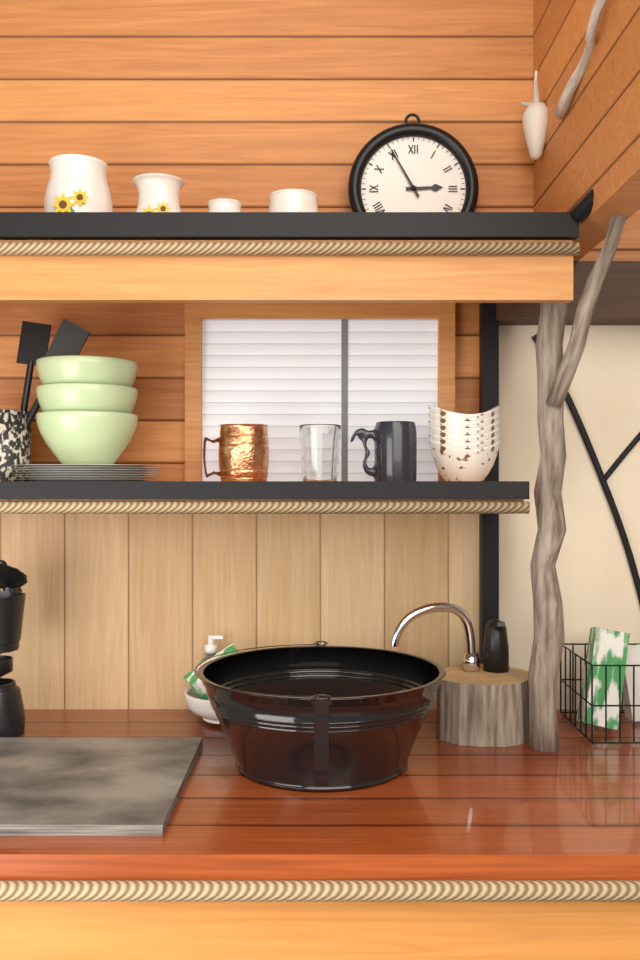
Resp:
h=2 m=55
